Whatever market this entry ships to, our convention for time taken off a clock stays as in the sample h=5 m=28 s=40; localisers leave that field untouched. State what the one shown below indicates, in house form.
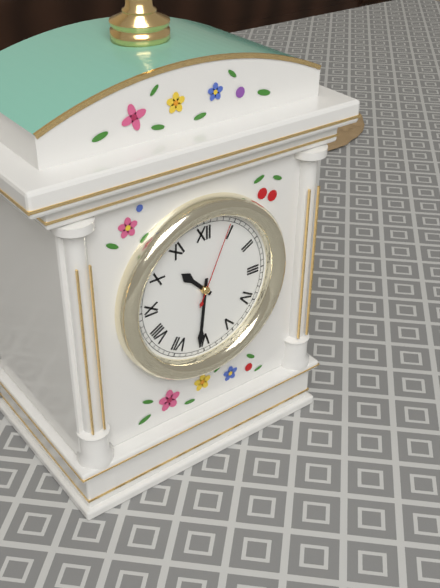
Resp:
h=10 m=31 s=4
